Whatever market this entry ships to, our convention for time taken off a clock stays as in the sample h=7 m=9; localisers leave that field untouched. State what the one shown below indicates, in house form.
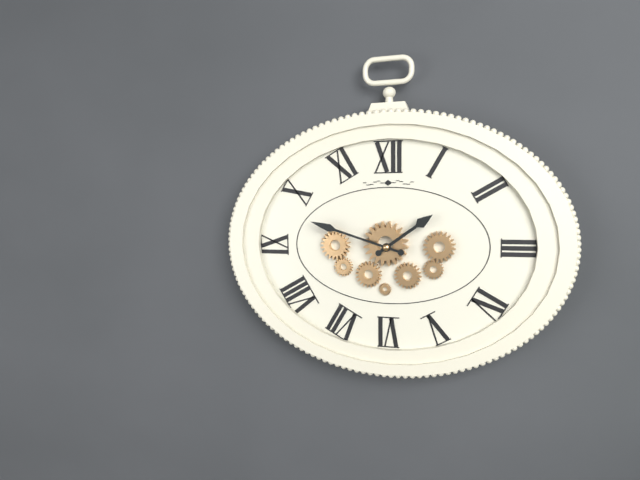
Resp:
h=1 m=48
